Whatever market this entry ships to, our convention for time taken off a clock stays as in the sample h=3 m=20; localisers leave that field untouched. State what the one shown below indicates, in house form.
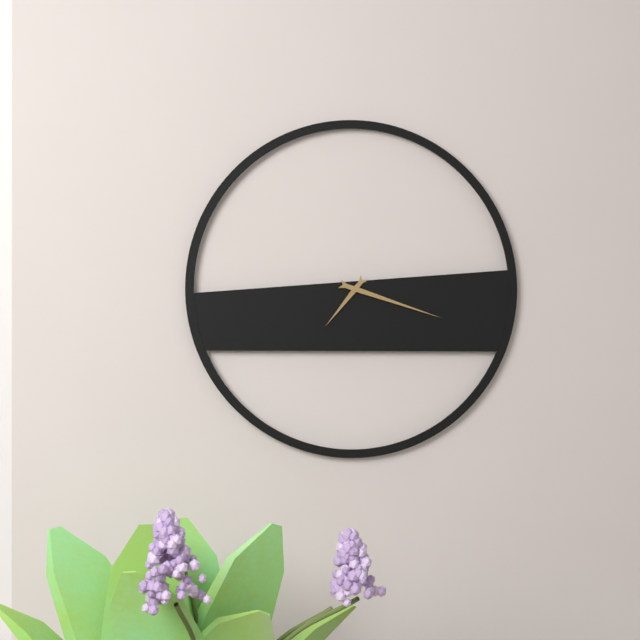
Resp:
h=7 m=18
